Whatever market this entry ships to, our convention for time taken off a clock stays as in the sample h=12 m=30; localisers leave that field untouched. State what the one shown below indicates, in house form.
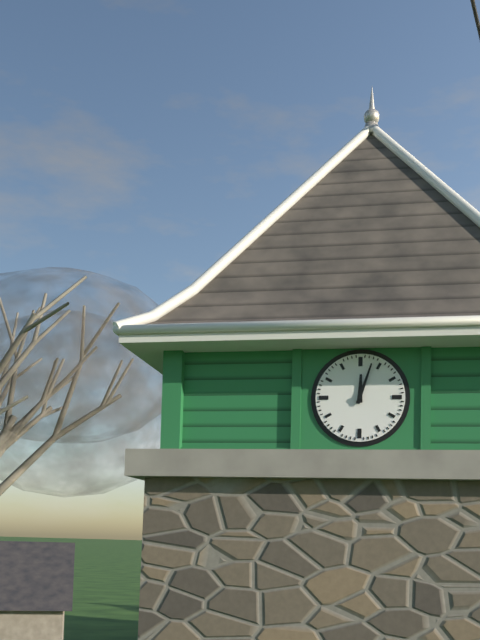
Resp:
h=12 m=3
